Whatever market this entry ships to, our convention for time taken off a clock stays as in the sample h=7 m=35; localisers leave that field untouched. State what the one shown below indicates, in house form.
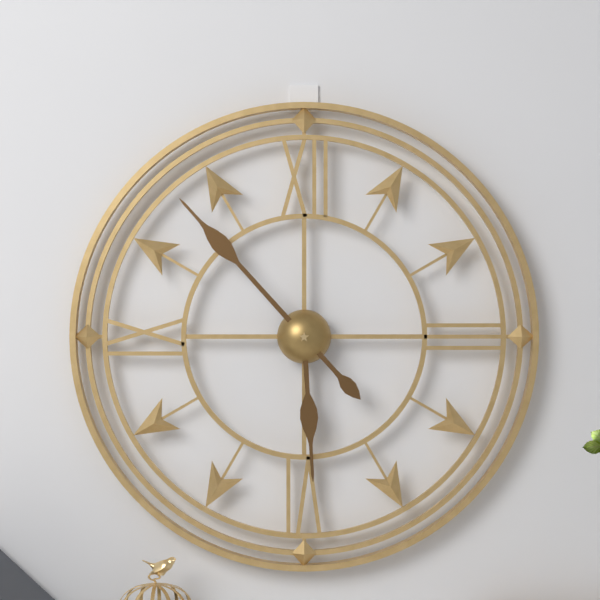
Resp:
h=5 m=53
